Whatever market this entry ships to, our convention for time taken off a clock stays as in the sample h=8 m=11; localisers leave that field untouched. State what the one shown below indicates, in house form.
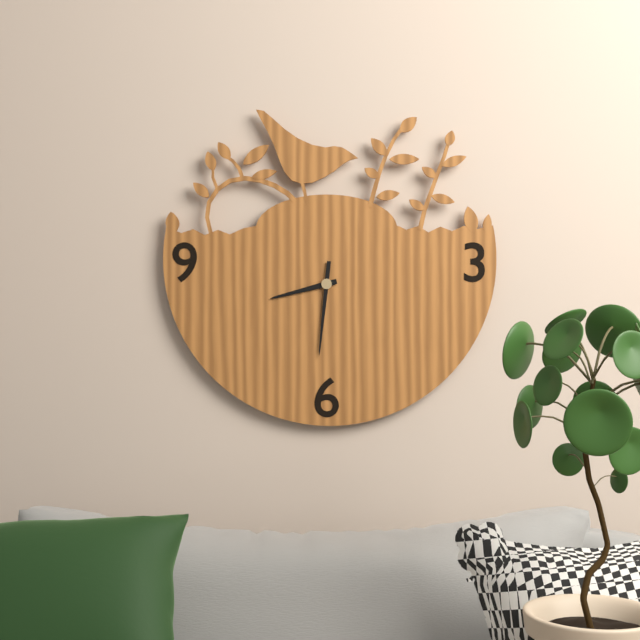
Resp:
h=8 m=31
